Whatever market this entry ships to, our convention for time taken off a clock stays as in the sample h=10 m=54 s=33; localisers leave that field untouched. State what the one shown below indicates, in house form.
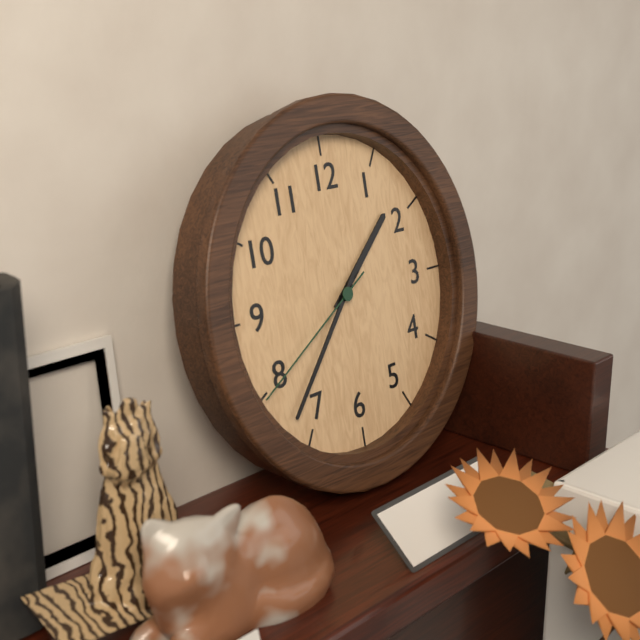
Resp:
h=1 m=37 s=40
